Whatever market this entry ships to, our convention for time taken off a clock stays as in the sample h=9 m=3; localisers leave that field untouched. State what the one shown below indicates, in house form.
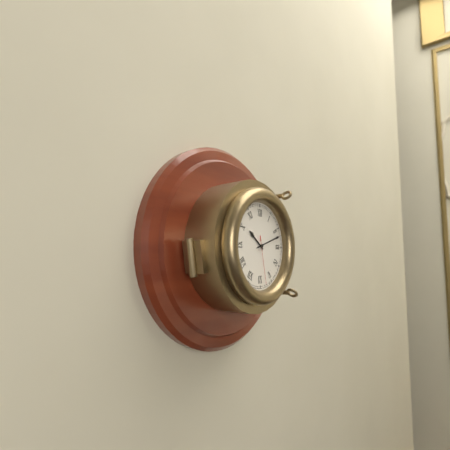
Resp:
h=10 m=12
